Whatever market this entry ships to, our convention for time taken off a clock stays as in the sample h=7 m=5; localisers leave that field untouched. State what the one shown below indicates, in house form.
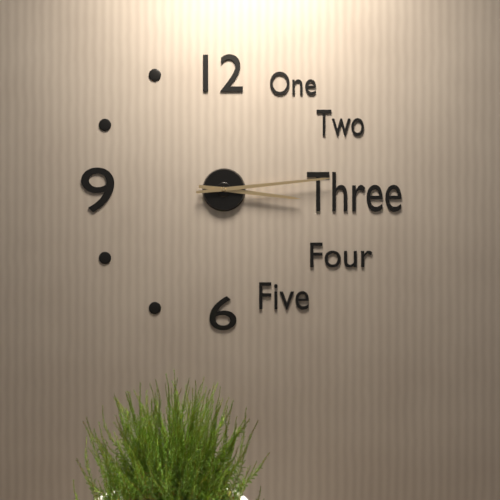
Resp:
h=3 m=14
